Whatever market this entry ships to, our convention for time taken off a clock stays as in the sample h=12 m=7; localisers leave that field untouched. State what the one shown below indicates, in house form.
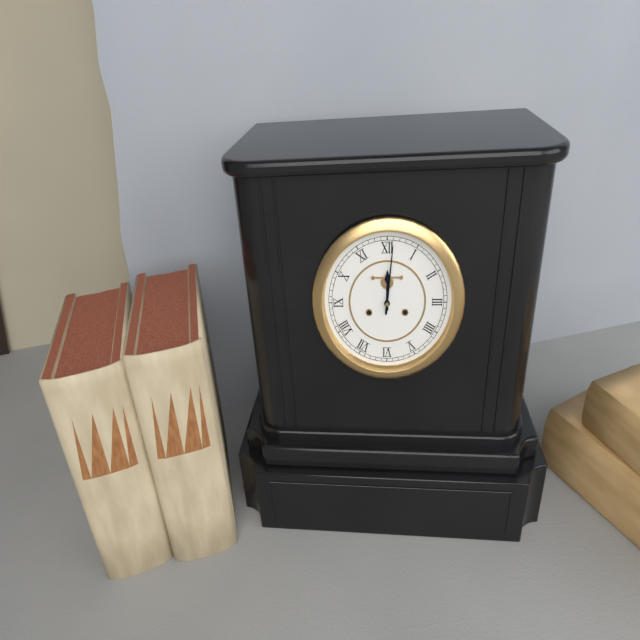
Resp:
h=12 m=1
